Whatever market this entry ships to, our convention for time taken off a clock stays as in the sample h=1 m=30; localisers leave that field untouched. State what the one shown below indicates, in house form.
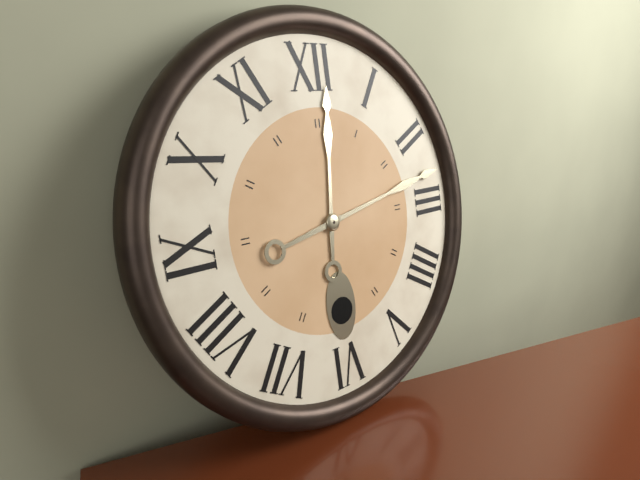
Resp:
h=12 m=13
